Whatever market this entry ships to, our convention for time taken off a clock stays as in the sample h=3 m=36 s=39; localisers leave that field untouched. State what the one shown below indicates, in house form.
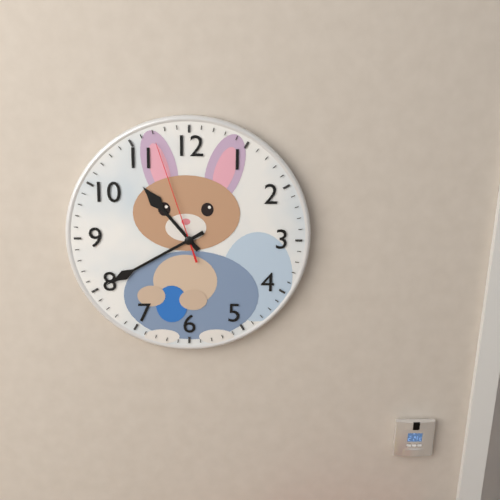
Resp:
h=10 m=40 s=57
